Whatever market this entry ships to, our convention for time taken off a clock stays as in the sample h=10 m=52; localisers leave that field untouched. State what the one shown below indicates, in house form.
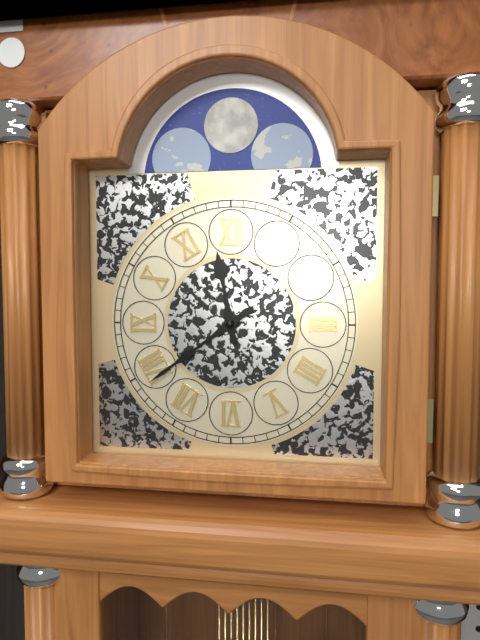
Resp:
h=11 m=39
